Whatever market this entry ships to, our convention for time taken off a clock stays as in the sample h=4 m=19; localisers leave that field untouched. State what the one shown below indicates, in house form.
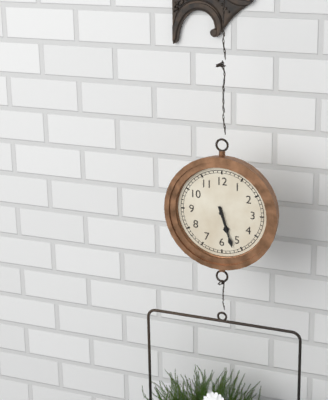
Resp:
h=5 m=27
